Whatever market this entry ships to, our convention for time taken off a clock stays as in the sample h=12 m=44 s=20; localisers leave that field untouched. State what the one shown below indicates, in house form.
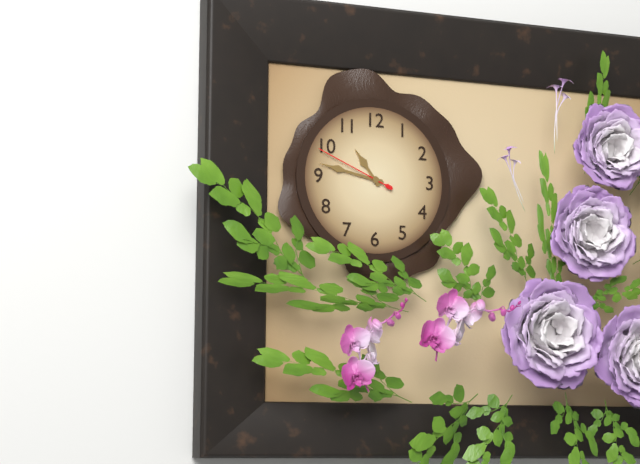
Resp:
h=10 m=47 s=49
